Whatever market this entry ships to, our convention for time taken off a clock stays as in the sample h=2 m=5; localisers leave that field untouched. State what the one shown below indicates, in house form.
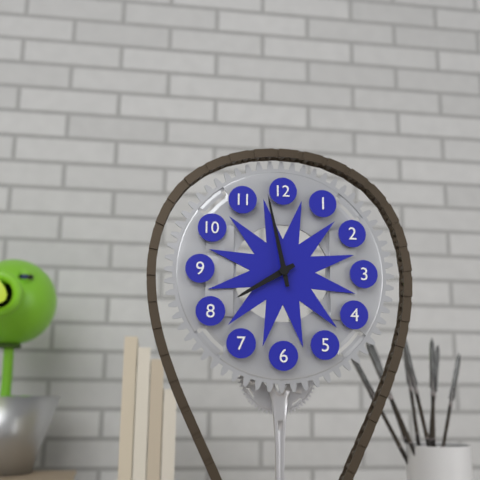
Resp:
h=7 m=58
